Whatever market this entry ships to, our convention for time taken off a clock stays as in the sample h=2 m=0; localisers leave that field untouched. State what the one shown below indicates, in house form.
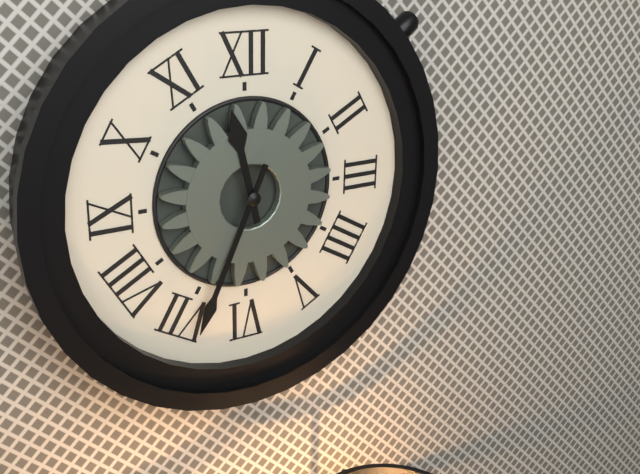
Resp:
h=11 m=34
